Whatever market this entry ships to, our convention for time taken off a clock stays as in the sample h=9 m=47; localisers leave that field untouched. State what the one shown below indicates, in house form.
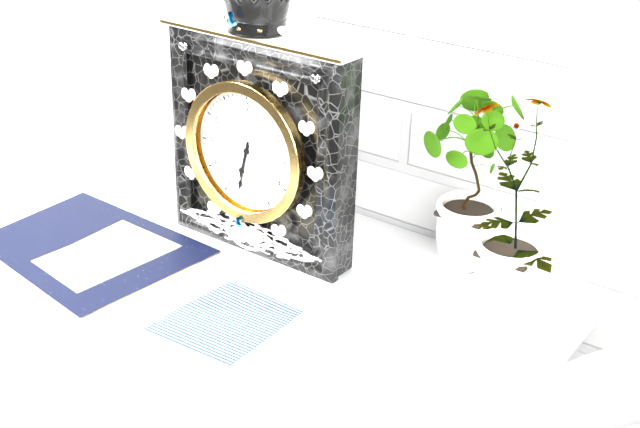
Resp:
h=6 m=32
